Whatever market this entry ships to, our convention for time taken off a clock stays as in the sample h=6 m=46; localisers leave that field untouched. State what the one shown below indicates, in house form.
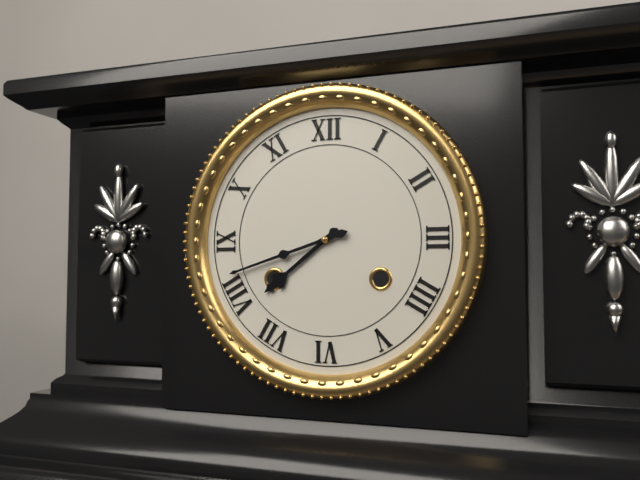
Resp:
h=7 m=42
